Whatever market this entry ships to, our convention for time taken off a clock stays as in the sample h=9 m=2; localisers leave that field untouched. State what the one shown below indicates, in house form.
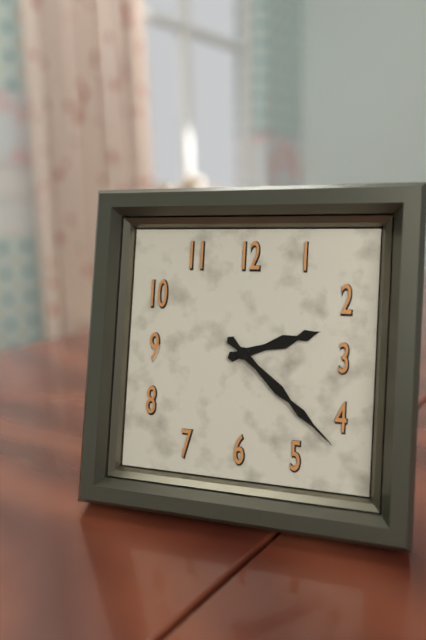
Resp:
h=2 m=22
